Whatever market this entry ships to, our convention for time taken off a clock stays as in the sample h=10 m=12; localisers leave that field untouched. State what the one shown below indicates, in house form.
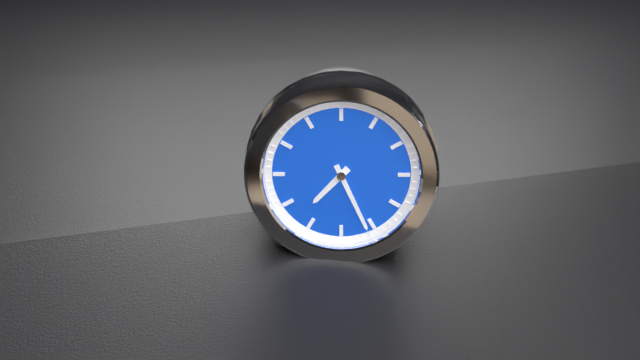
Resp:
h=7 m=26
